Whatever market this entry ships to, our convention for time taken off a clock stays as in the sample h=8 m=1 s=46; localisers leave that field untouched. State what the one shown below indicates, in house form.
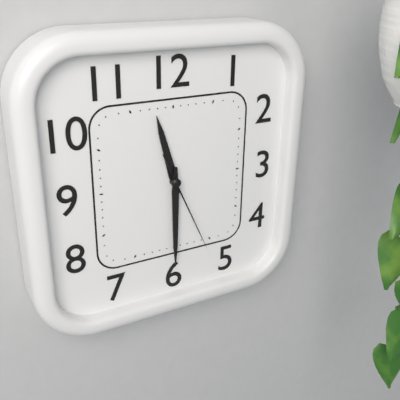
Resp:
h=11 m=30 s=26
